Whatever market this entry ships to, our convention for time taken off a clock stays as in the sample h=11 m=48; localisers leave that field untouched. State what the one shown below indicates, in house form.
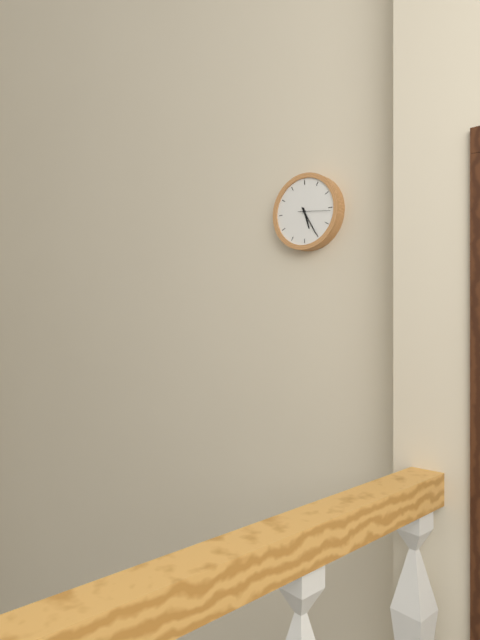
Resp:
h=5 m=25
